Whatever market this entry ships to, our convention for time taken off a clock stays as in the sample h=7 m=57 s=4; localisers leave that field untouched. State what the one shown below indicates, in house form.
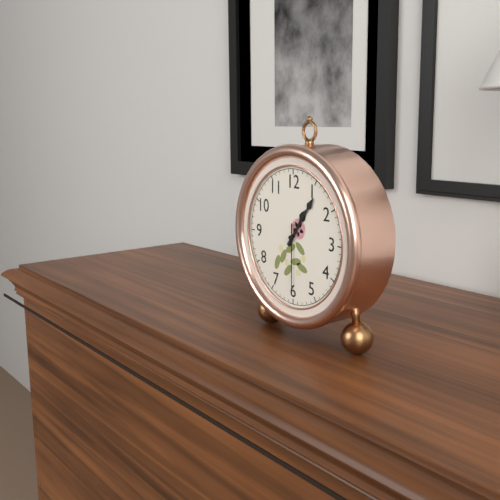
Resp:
h=1 m=6 s=30
